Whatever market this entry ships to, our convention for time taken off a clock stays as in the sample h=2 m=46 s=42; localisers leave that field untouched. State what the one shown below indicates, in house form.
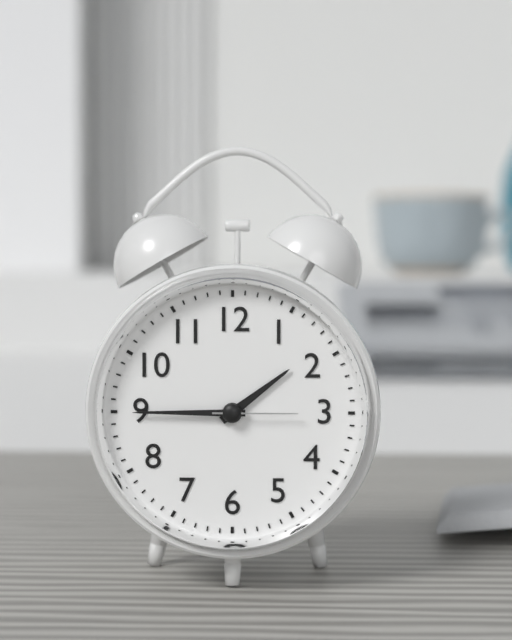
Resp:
h=1 m=45 s=15
